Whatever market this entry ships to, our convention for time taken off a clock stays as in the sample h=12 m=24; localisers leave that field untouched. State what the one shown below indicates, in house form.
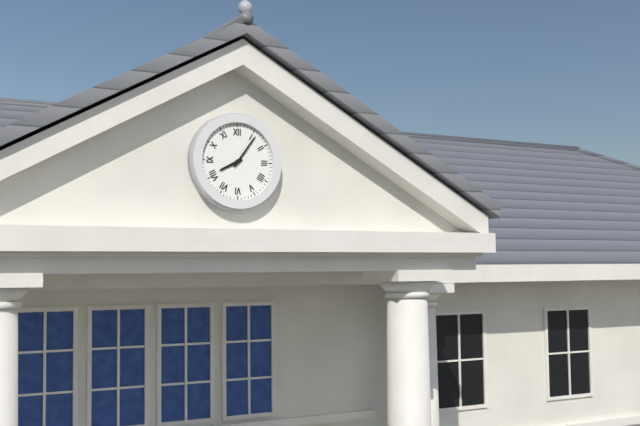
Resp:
h=8 m=6
